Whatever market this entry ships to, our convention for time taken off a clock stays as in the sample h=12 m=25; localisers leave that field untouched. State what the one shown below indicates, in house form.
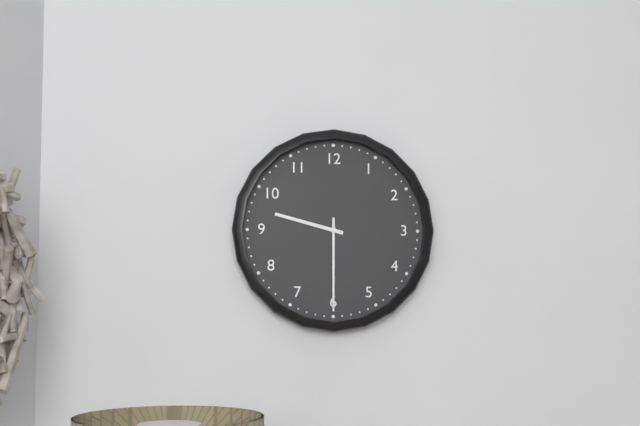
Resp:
h=9 m=30
